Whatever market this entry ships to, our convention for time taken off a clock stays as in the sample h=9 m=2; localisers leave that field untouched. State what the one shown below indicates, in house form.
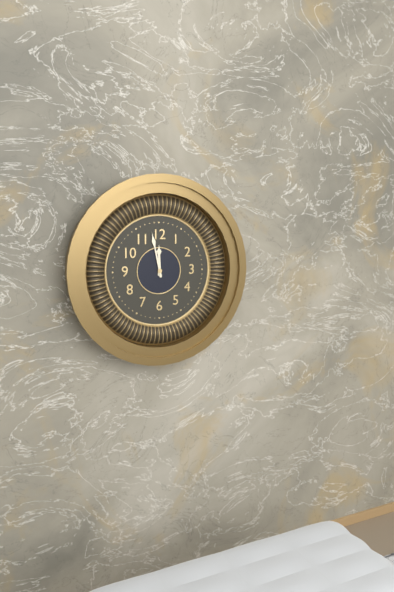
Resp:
h=11 m=58
